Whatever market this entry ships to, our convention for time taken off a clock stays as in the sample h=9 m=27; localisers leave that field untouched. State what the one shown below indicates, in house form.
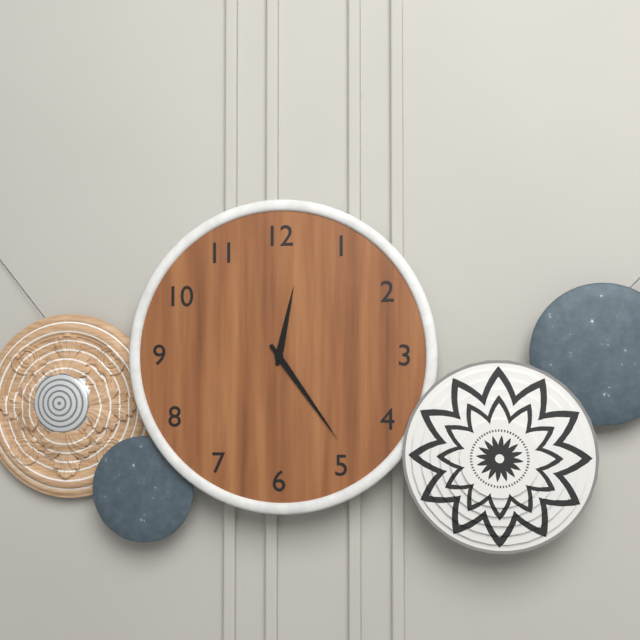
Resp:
h=12 m=24
